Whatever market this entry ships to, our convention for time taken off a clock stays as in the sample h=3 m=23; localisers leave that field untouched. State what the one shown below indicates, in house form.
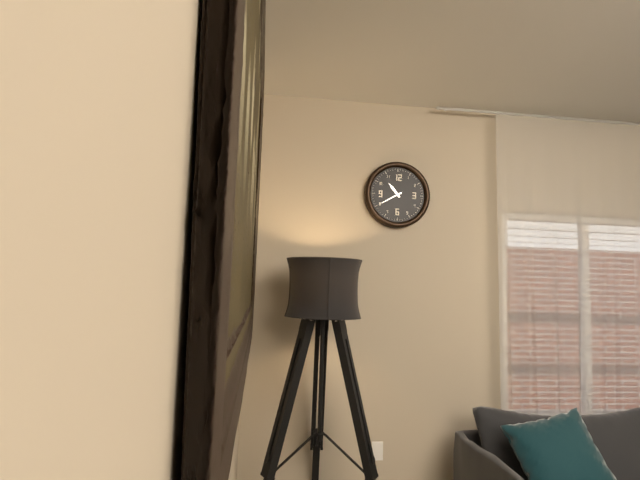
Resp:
h=10 m=40
